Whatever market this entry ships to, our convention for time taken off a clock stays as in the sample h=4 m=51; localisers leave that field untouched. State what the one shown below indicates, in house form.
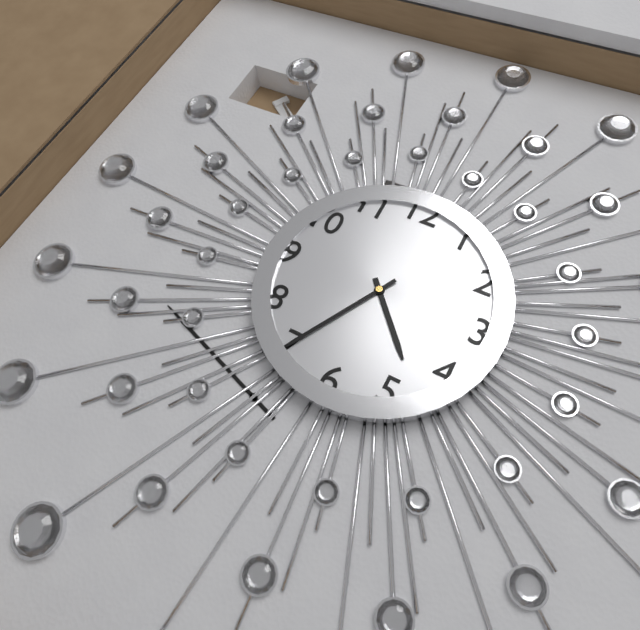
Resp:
h=4 m=35
